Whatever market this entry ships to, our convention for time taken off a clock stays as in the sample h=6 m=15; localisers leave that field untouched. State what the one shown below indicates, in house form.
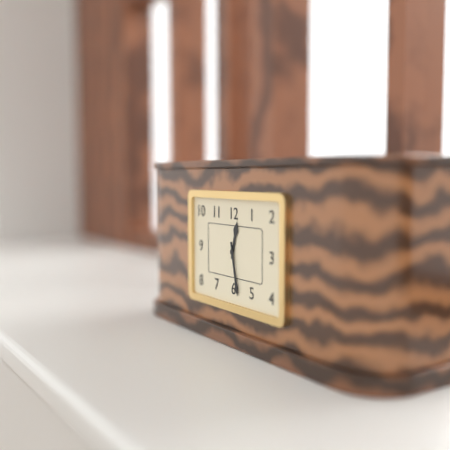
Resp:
h=12 m=28
